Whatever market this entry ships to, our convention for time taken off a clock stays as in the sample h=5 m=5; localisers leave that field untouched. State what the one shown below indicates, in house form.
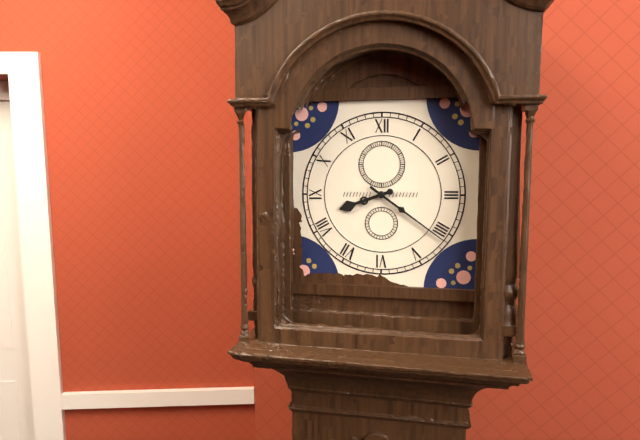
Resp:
h=8 m=21
